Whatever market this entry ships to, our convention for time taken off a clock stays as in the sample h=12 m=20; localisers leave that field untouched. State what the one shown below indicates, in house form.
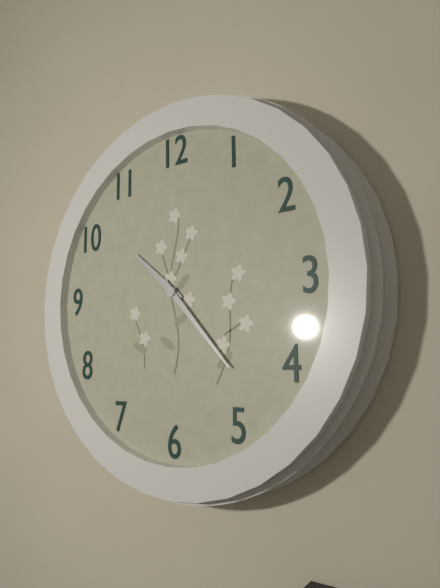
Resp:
h=10 m=23
